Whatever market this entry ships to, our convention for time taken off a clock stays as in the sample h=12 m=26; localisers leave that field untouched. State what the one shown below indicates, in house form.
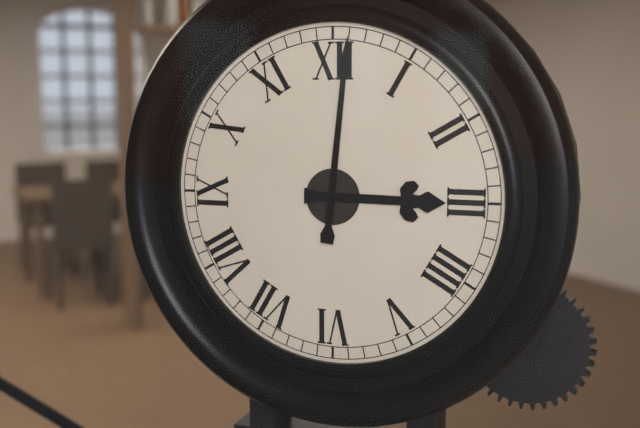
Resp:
h=3 m=1
